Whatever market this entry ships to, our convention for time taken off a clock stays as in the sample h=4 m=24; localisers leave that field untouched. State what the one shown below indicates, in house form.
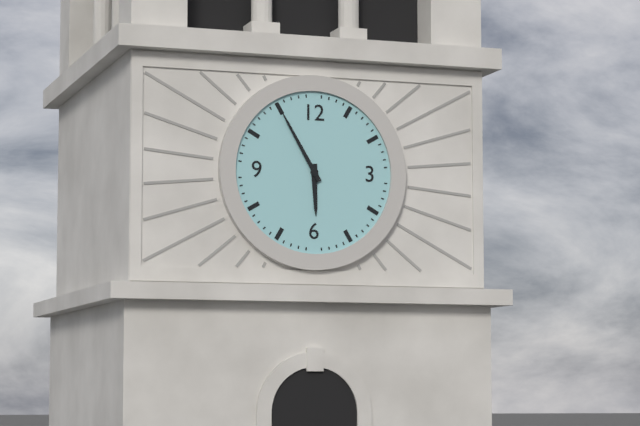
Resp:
h=5 m=55
